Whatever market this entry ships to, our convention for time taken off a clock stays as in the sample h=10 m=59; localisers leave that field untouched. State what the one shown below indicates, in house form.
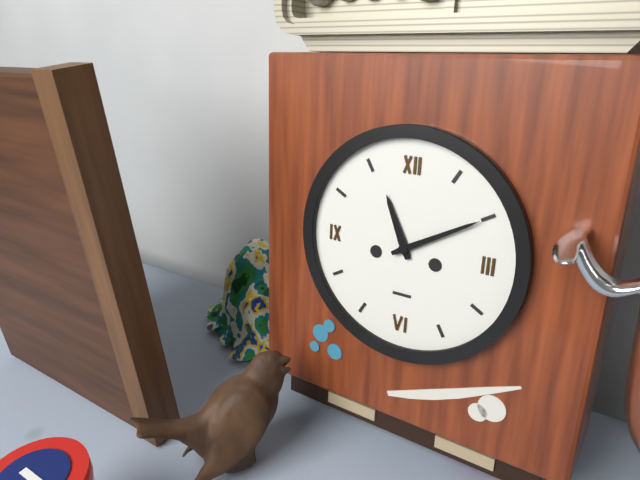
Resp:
h=11 m=10
